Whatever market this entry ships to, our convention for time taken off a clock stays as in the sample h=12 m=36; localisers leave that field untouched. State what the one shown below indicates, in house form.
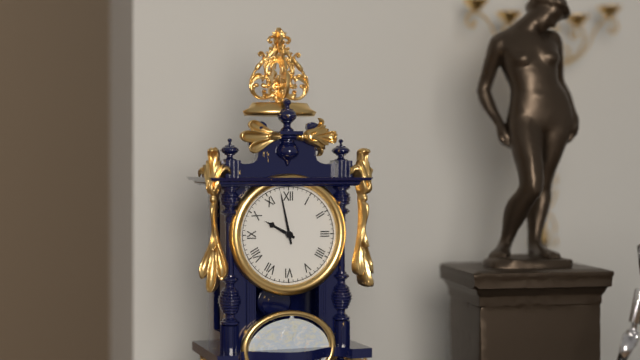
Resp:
h=9 m=58
